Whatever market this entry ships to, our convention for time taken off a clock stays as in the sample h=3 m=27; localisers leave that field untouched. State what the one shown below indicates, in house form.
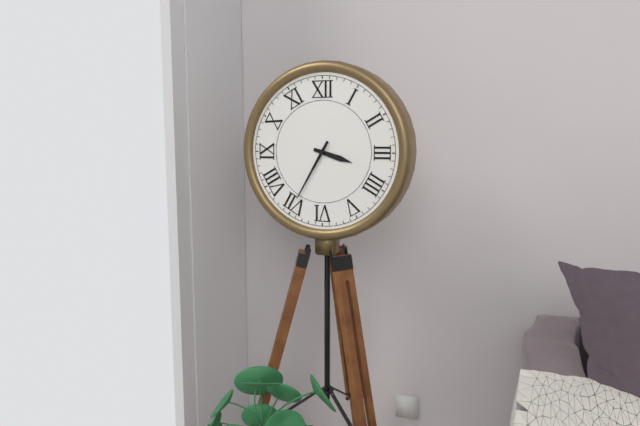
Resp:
h=3 m=35
